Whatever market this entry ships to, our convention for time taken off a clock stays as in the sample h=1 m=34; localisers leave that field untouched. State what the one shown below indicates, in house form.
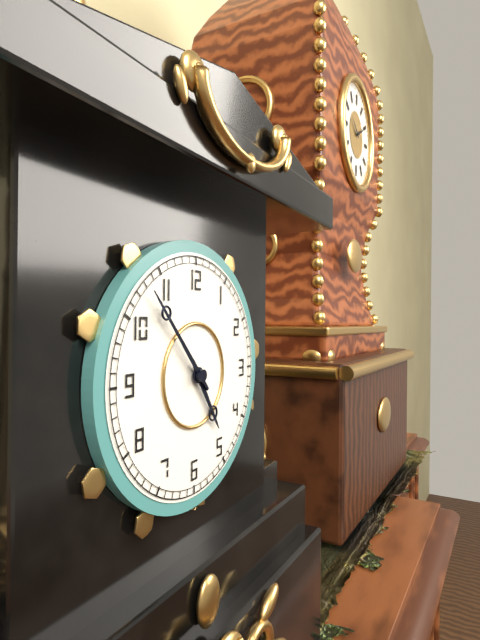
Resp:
h=4 m=53
